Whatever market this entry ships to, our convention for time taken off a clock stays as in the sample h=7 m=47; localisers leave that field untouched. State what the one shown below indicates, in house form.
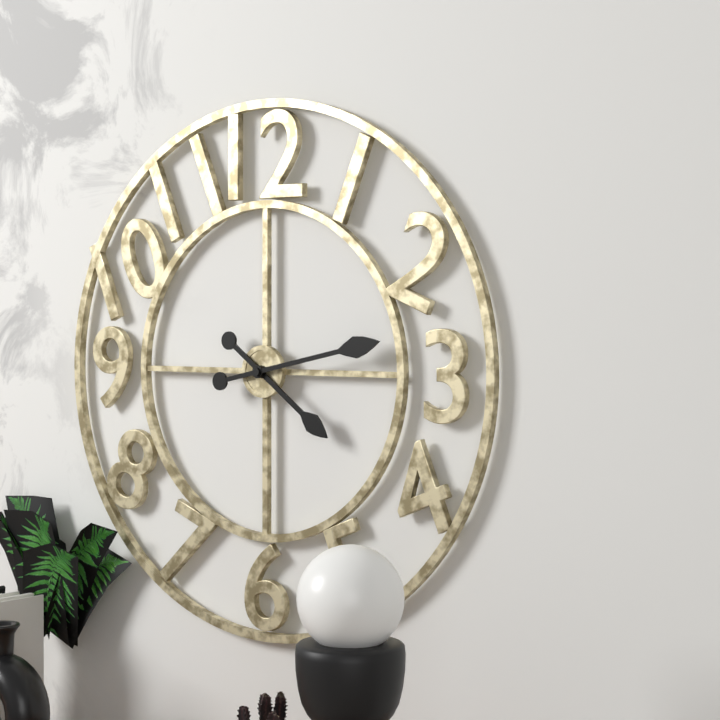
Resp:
h=4 m=13
